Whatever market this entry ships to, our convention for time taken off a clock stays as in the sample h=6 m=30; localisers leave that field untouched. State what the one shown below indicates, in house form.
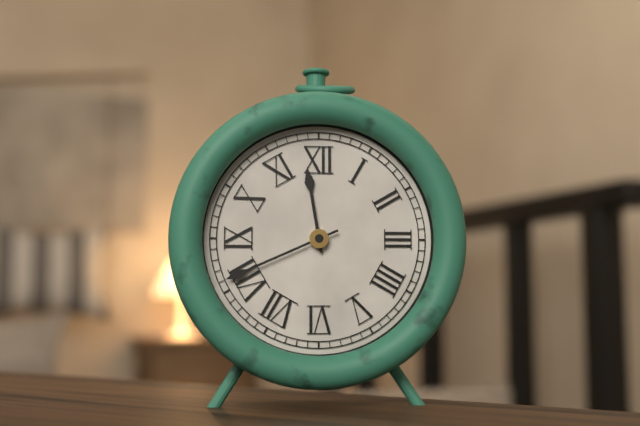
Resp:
h=11 m=41
